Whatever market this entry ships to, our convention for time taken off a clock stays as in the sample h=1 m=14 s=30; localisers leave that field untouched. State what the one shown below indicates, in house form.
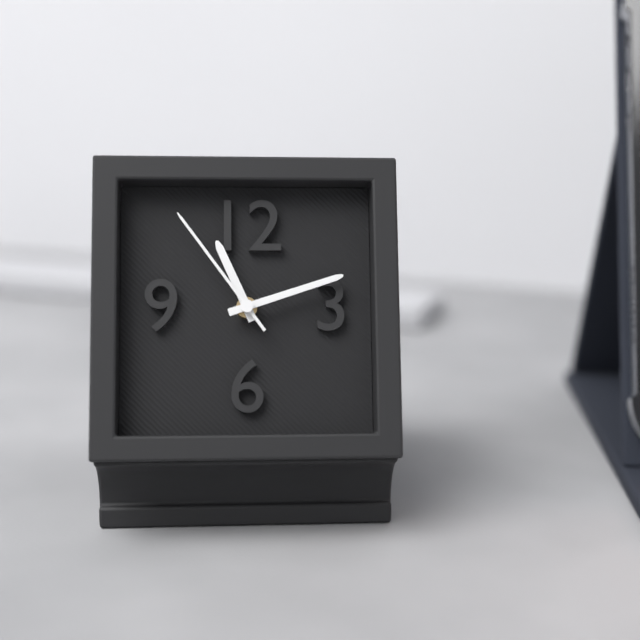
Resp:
h=11 m=12 s=54
